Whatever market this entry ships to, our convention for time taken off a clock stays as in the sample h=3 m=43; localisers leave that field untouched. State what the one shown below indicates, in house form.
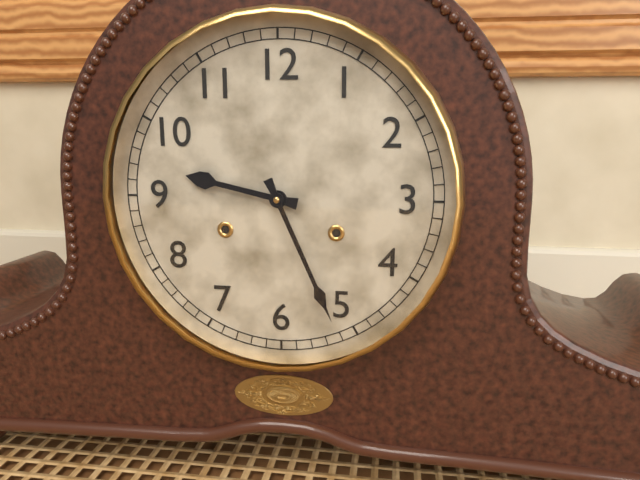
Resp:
h=9 m=26
